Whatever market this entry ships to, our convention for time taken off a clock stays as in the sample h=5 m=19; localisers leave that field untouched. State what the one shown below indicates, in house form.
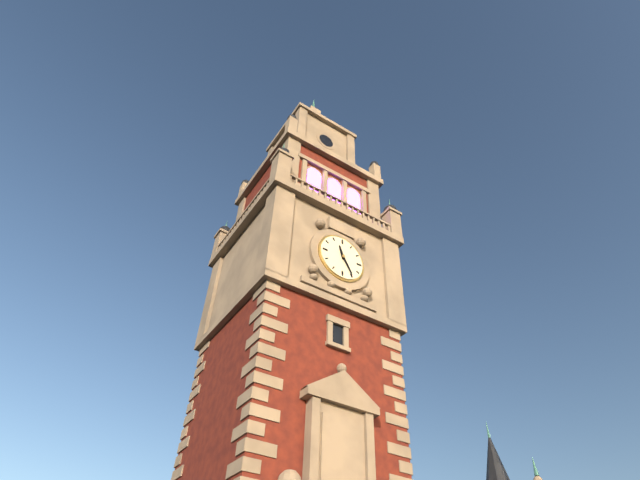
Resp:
h=11 m=25
